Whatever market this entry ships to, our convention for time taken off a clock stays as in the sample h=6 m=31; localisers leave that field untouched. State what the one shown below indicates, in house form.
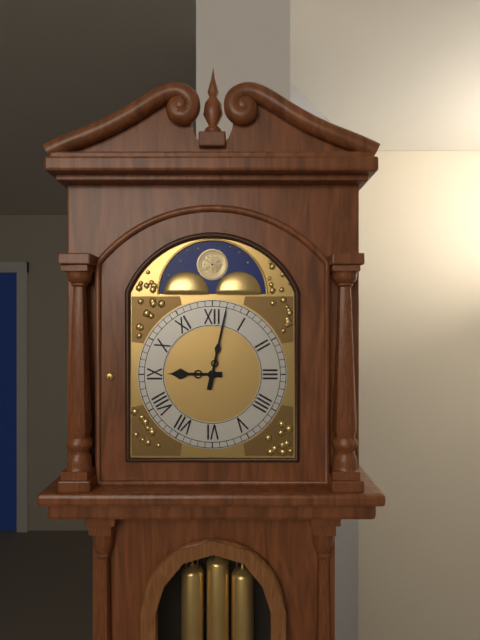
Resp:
h=9 m=2
